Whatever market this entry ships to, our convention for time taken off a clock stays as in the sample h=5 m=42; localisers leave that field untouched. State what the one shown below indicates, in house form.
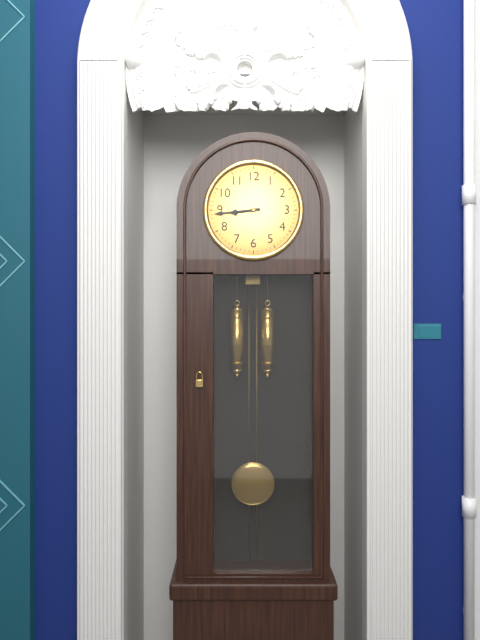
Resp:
h=8 m=44
